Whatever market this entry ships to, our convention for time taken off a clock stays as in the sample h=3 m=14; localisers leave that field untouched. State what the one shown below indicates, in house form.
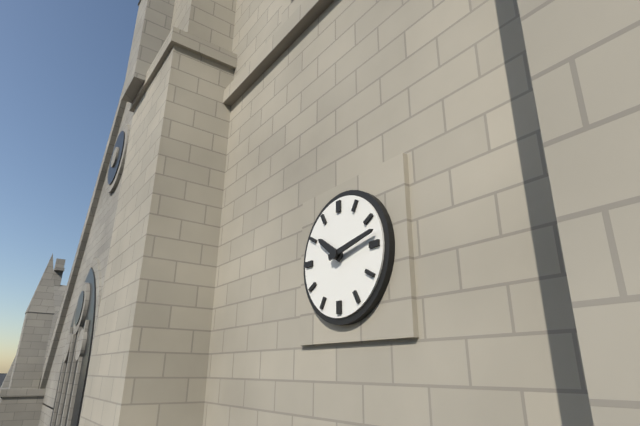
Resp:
h=10 m=13
